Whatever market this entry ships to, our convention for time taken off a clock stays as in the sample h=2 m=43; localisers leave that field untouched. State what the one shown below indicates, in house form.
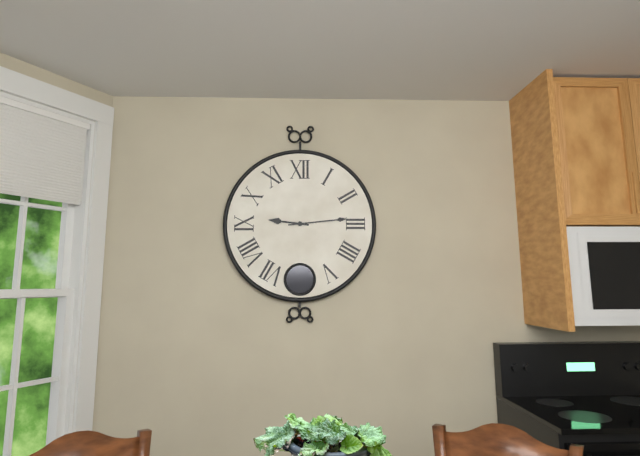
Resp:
h=9 m=14
